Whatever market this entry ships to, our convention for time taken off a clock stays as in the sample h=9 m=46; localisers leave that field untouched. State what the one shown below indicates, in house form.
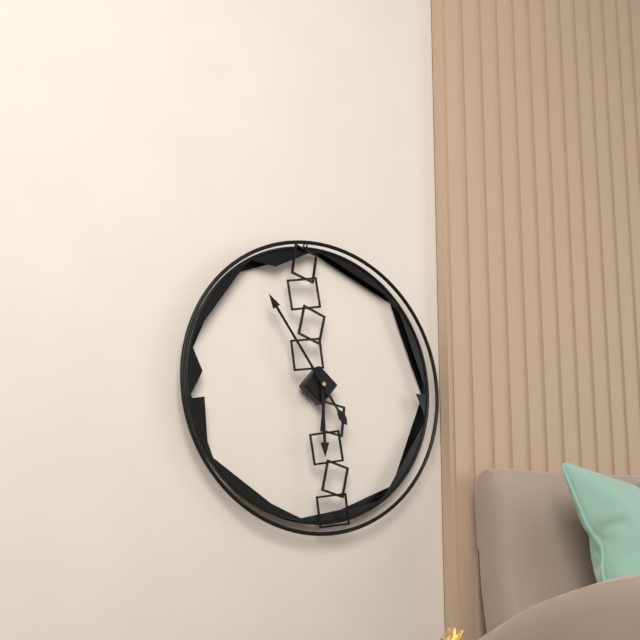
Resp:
h=5 m=54
